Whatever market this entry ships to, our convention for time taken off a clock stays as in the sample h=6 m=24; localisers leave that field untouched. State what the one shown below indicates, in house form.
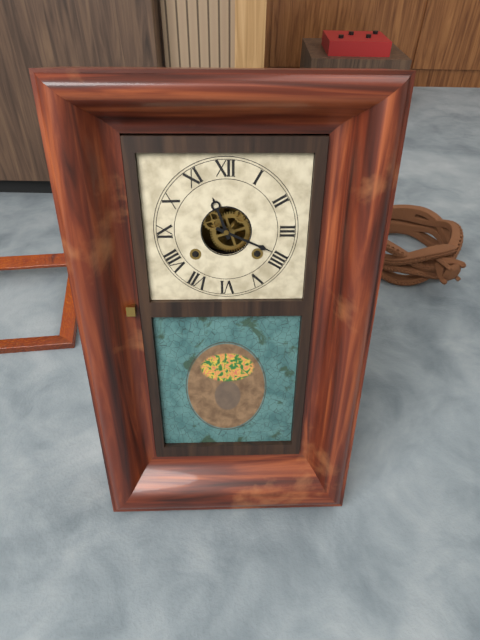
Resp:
h=11 m=19
